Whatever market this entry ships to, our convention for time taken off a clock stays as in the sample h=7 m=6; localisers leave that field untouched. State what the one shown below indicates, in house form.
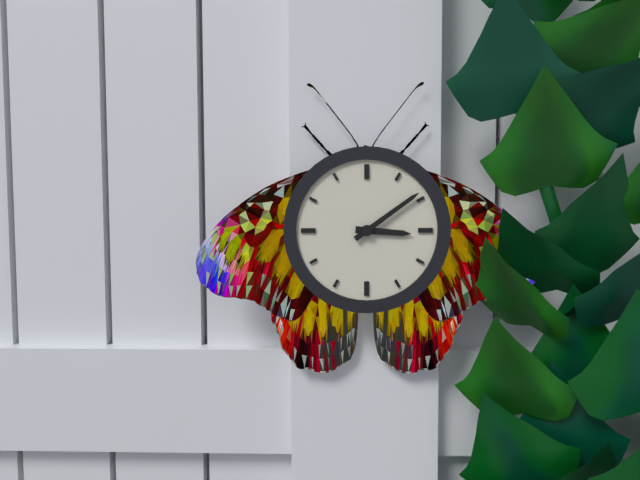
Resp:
h=3 m=9
